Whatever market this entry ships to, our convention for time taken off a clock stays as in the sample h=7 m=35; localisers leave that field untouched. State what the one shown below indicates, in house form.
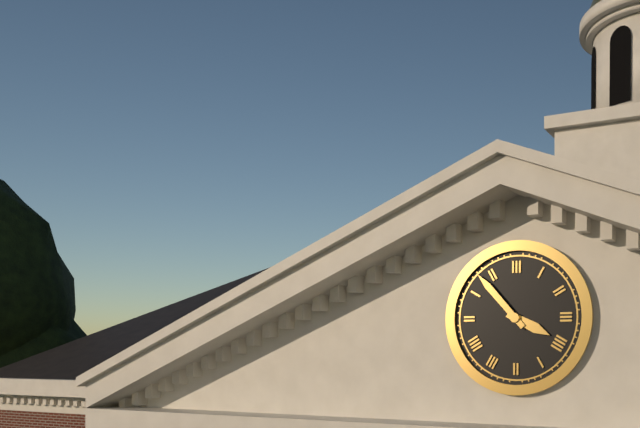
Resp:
h=3 m=53
